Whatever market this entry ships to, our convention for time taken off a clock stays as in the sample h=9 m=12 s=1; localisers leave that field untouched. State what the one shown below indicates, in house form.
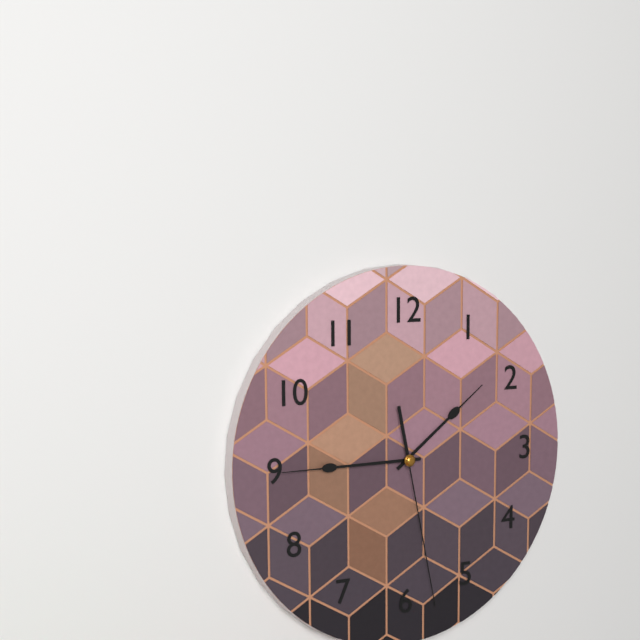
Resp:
h=1 m=45 s=28
